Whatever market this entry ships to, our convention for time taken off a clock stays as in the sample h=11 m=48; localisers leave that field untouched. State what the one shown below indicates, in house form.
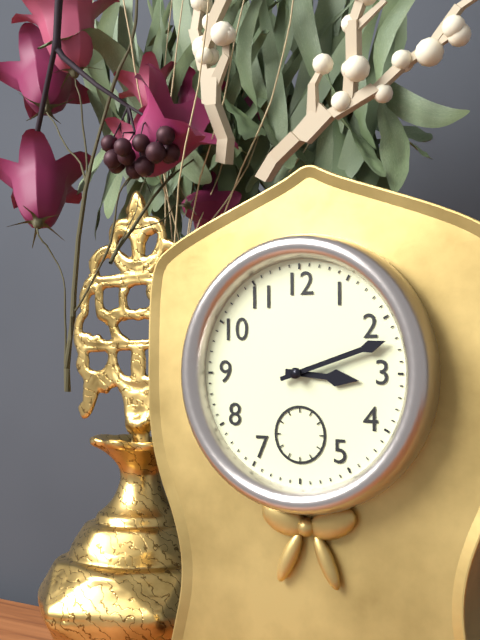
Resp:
h=3 m=12
